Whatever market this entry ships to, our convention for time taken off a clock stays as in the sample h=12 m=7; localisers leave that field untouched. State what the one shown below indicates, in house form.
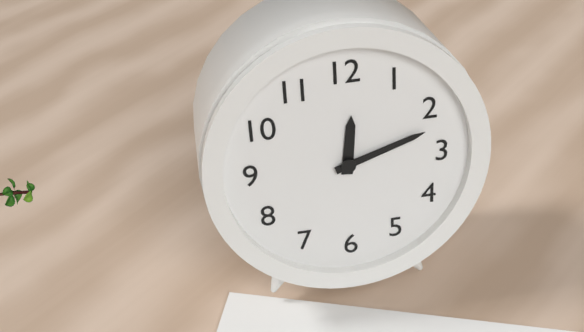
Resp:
h=12 m=12
